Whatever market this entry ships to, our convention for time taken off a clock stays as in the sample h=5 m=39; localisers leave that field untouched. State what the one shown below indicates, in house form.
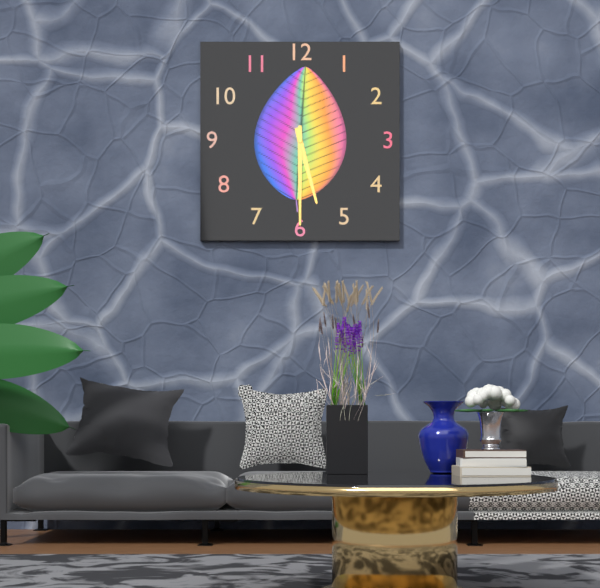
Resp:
h=5 m=30
